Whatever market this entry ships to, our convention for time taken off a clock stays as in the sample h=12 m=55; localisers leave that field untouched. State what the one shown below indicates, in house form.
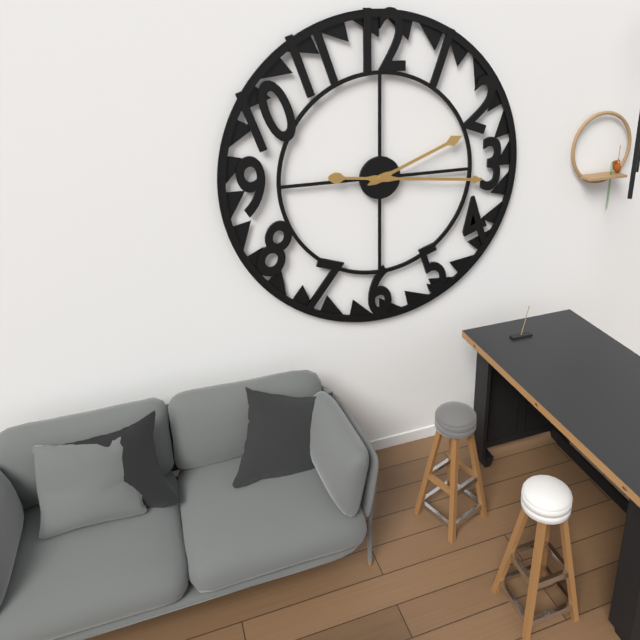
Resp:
h=2 m=16
